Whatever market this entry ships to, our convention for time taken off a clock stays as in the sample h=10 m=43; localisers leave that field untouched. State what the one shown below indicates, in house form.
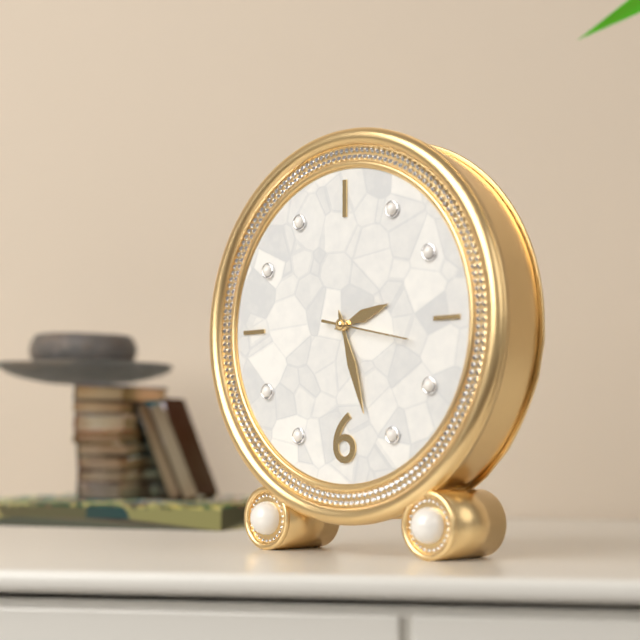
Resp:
h=2 m=27
